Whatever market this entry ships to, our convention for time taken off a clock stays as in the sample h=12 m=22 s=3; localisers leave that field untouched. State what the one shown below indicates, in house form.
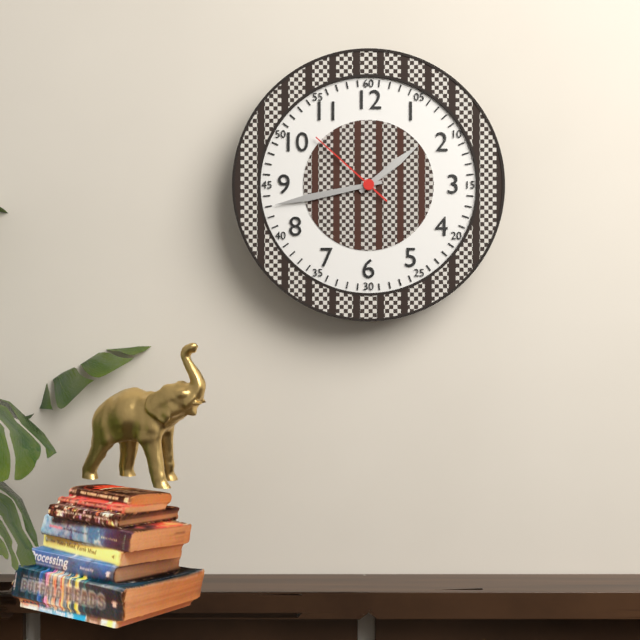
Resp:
h=1 m=43 s=52
